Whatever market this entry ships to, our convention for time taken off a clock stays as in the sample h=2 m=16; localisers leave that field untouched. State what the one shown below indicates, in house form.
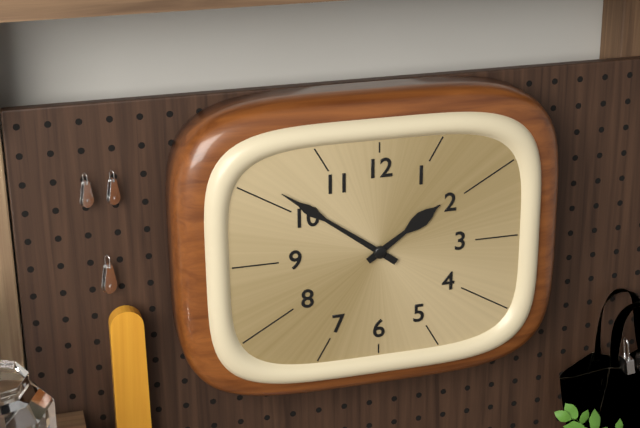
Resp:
h=1 m=51
